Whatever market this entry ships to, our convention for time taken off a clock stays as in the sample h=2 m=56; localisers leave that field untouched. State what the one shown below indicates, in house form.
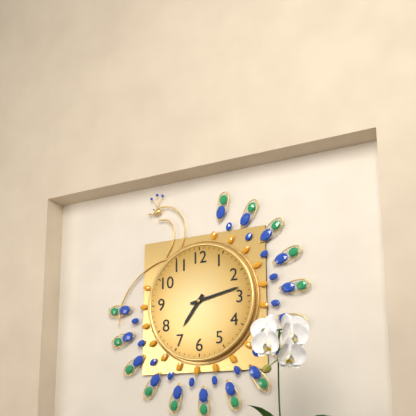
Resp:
h=7 m=13
